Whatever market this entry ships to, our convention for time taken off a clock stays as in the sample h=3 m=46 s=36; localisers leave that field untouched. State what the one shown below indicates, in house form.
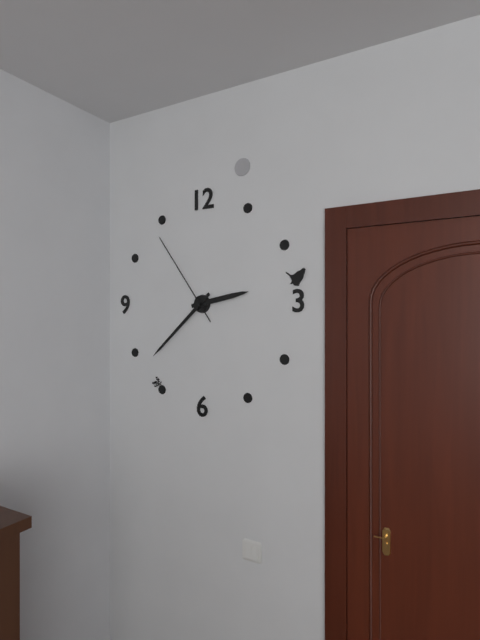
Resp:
h=2 m=38 s=54
